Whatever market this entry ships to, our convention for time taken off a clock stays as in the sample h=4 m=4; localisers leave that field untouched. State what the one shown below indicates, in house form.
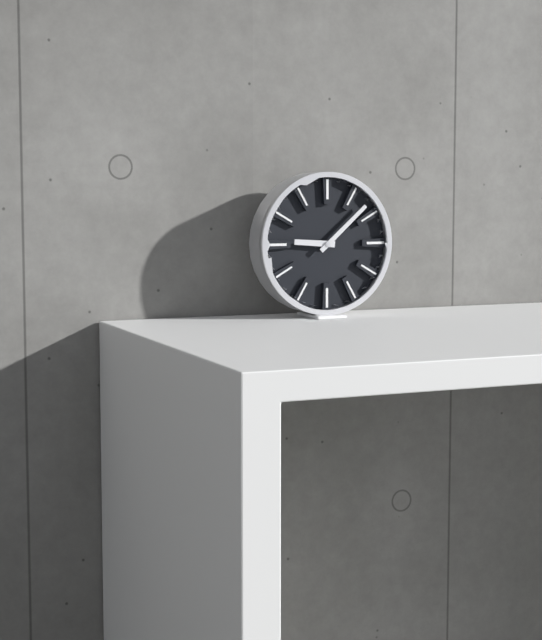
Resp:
h=9 m=8
